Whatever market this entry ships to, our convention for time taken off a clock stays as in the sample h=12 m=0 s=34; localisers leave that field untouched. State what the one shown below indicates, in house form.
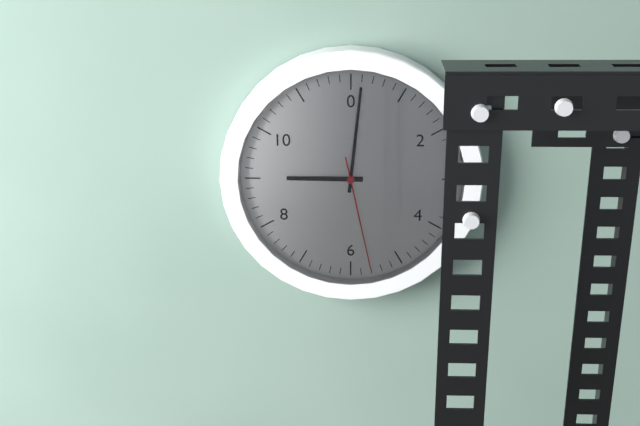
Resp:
h=9 m=1 s=28
